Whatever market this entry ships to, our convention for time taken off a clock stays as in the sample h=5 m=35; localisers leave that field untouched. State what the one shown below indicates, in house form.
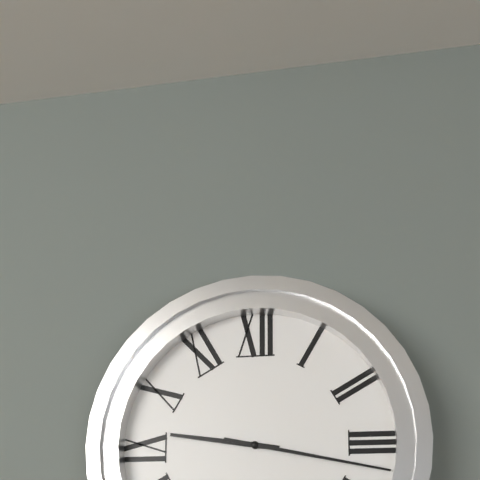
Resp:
h=9 m=17
